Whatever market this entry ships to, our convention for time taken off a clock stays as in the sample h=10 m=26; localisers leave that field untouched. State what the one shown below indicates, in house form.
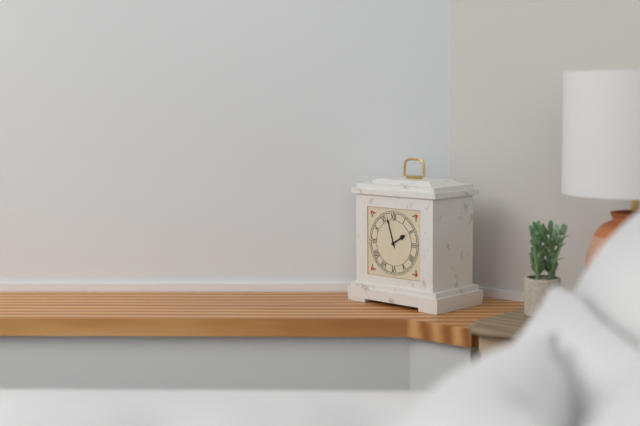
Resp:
h=1 m=57
